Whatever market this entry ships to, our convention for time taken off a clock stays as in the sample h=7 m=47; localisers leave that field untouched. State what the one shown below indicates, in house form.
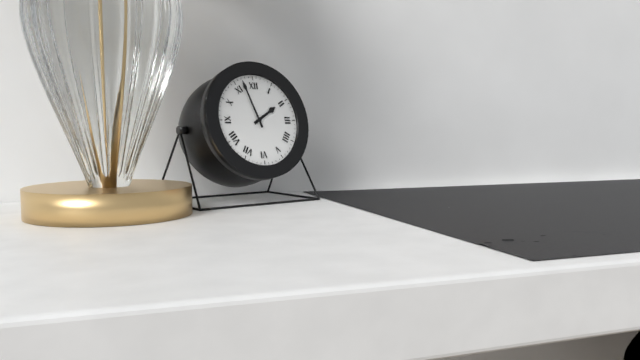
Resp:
h=1 m=57
